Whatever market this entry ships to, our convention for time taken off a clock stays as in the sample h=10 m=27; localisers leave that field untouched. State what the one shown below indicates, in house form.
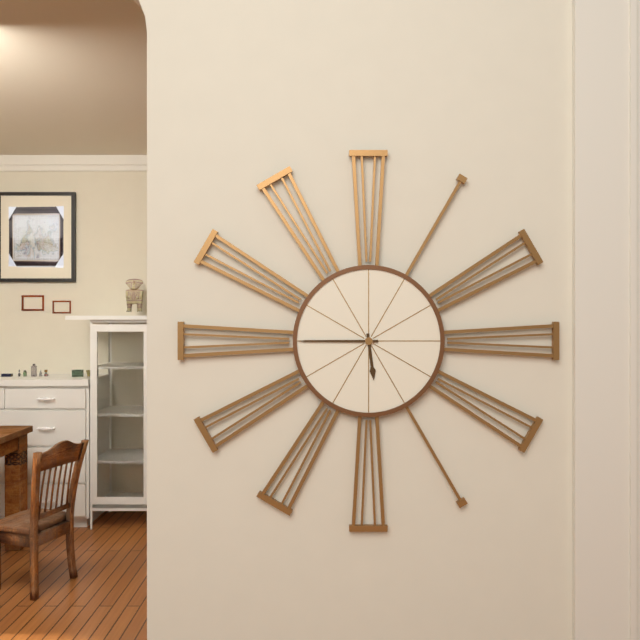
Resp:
h=5 m=45
